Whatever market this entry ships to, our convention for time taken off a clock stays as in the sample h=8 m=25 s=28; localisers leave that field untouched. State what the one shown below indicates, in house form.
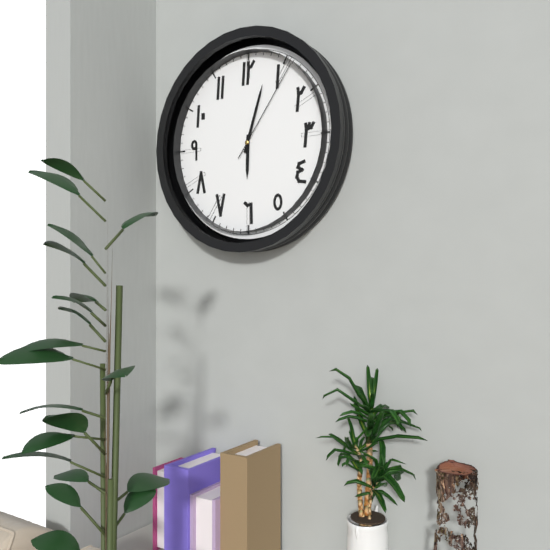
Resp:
h=6 m=3 s=6
